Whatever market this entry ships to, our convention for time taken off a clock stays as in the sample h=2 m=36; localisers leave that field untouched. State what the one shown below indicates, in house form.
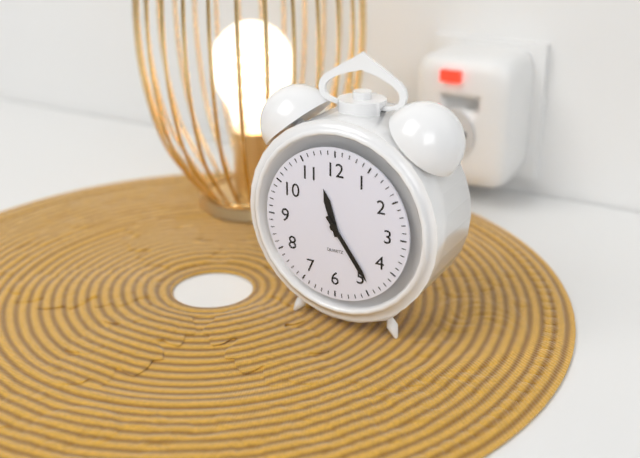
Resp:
h=11 m=24
